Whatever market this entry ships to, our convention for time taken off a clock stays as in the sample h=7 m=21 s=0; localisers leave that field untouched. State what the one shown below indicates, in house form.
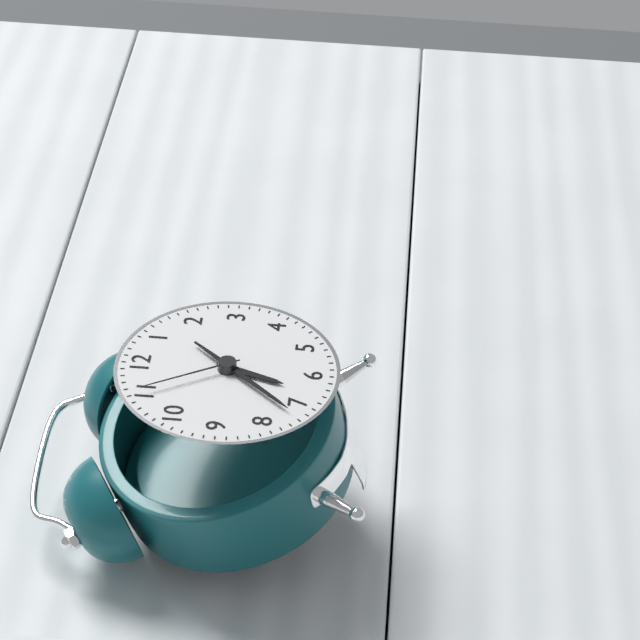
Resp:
h=6 m=37 s=55
